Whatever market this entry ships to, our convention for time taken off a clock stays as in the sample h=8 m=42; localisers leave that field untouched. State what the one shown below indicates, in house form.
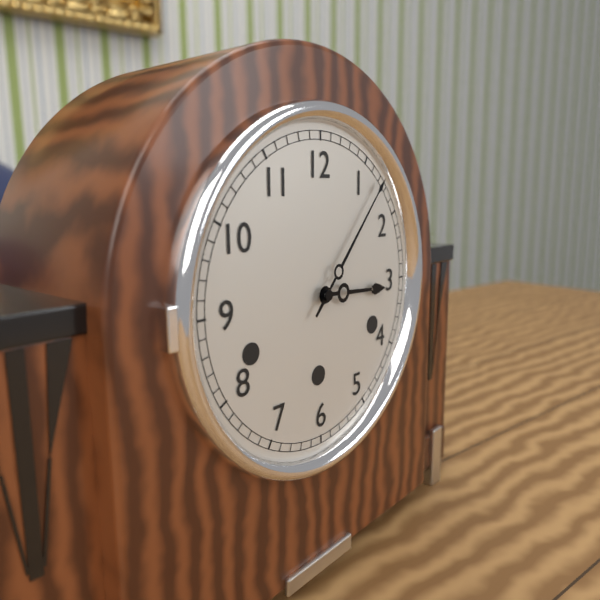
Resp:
h=3 m=7
